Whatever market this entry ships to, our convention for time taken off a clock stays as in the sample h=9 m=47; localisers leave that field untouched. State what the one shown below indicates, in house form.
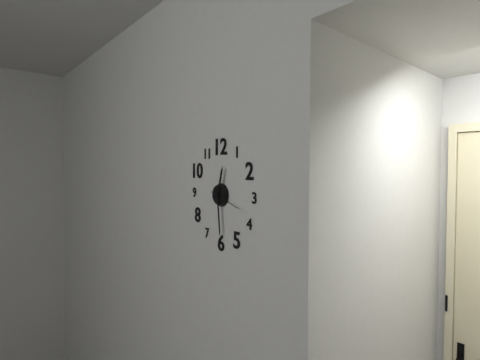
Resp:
h=12 m=29
